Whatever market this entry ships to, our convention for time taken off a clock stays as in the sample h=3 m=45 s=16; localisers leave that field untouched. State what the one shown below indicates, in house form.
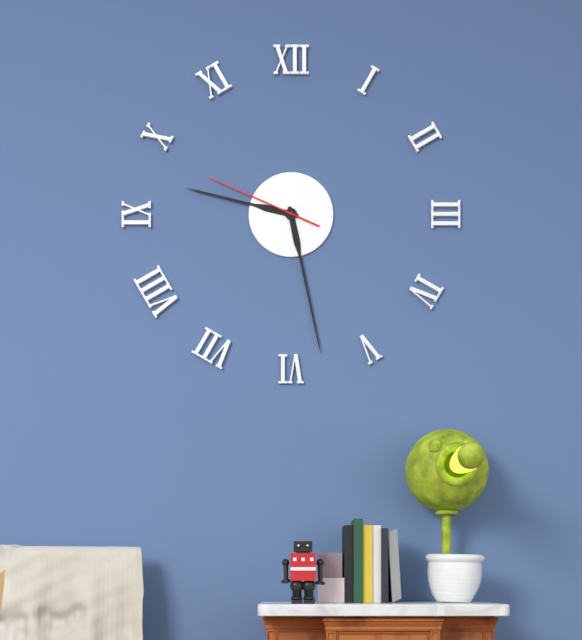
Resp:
h=9 m=28 s=49
